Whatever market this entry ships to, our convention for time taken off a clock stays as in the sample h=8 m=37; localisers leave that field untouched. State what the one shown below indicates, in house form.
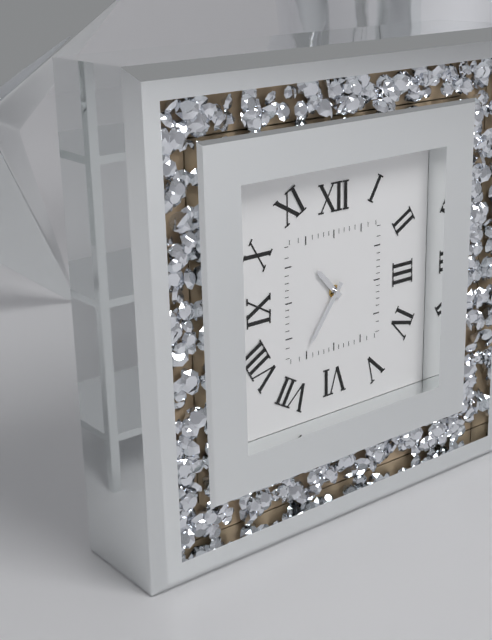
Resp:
h=10 m=36
